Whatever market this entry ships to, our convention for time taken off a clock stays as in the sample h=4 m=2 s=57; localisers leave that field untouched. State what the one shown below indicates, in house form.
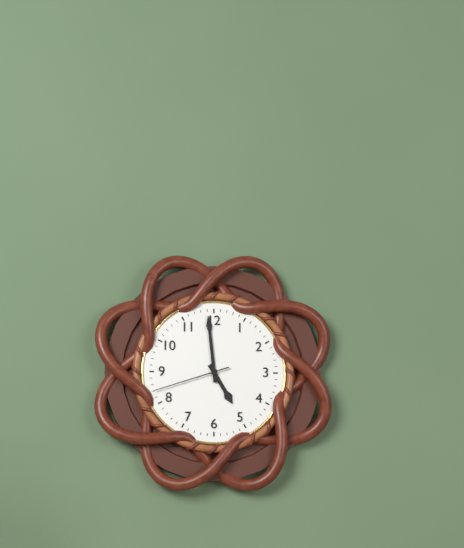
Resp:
h=4 m=59 s=42
